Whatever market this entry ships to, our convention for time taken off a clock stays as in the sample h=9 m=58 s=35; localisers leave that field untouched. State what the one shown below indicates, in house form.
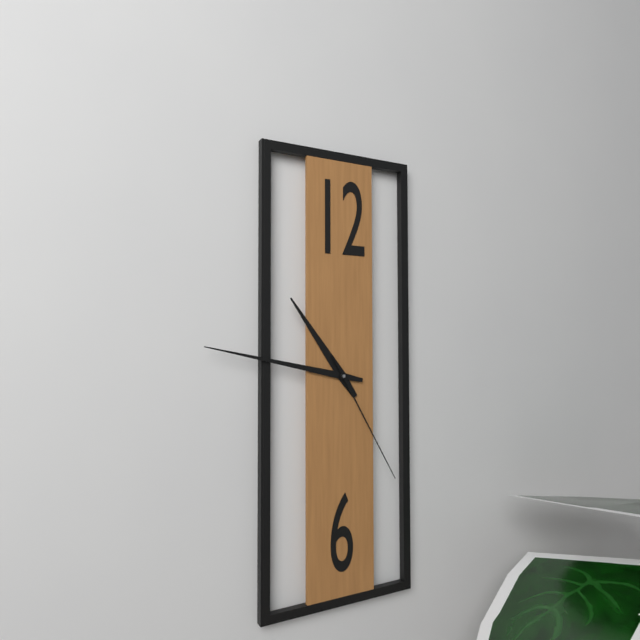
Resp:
h=10 m=47 s=25
